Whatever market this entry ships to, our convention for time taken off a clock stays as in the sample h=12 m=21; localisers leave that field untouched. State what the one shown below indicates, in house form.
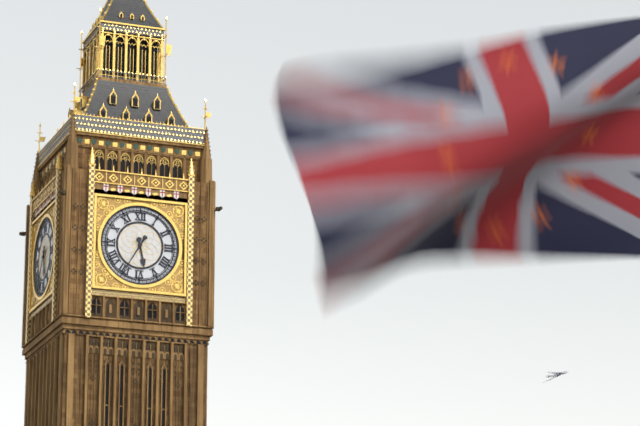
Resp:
h=5 m=35
